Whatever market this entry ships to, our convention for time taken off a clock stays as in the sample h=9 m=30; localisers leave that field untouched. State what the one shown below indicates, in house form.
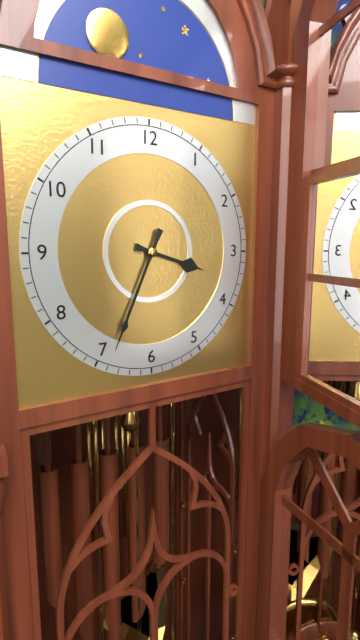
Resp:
h=3 m=34
